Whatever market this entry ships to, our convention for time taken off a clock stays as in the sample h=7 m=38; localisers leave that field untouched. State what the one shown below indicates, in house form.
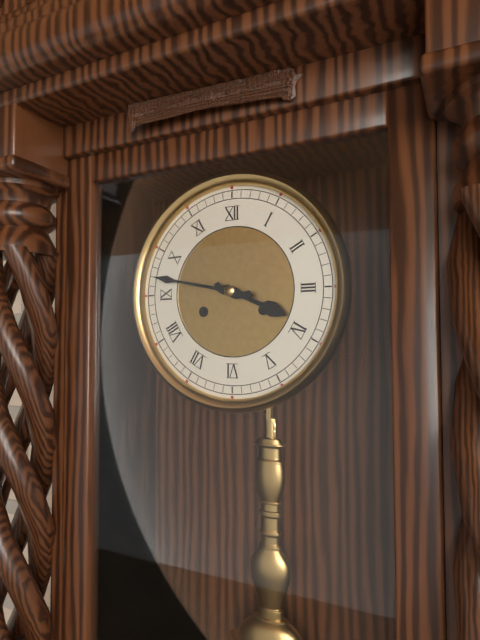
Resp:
h=3 m=47
